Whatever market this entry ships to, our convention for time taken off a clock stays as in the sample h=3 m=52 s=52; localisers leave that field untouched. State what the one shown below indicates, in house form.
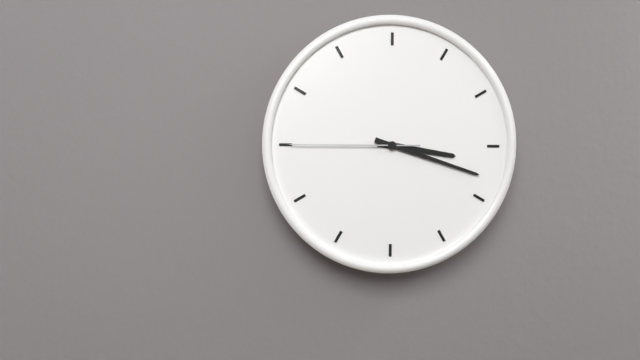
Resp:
h=3 m=18 s=45
